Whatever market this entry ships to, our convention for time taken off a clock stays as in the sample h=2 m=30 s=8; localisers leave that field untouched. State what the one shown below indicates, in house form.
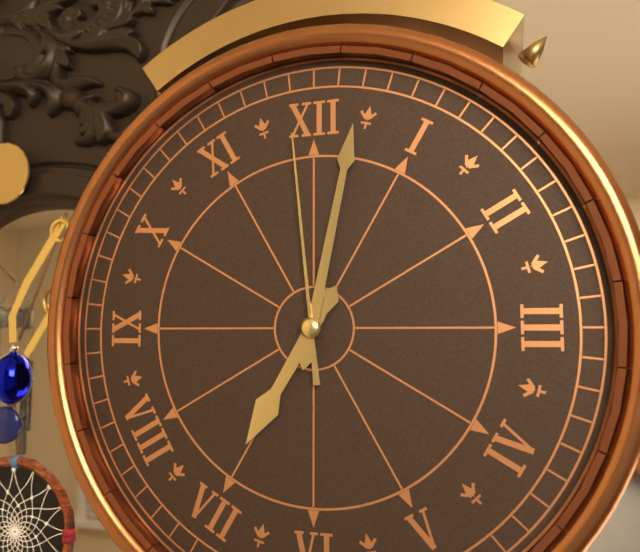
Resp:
h=7 m=2 s=59
